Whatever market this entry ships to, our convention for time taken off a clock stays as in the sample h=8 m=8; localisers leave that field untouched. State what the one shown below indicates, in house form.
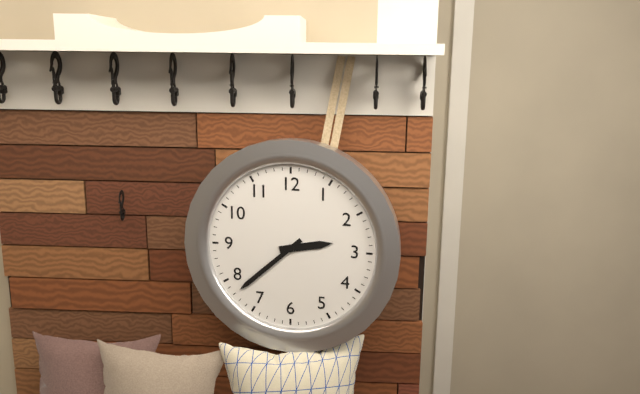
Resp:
h=2 m=38
